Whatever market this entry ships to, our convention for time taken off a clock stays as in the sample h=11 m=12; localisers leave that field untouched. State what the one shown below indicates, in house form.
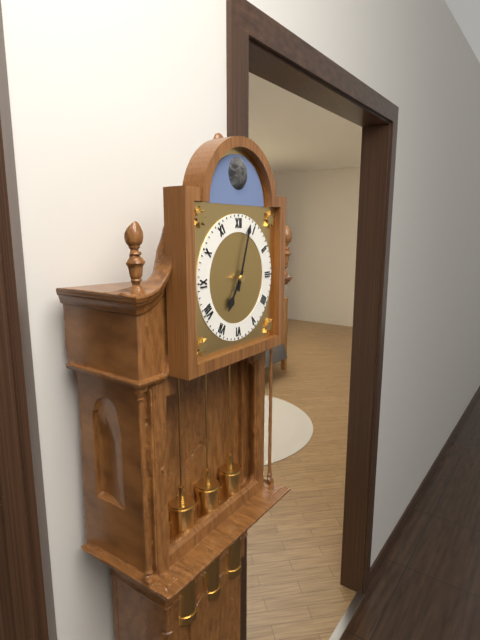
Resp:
h=7 m=3
